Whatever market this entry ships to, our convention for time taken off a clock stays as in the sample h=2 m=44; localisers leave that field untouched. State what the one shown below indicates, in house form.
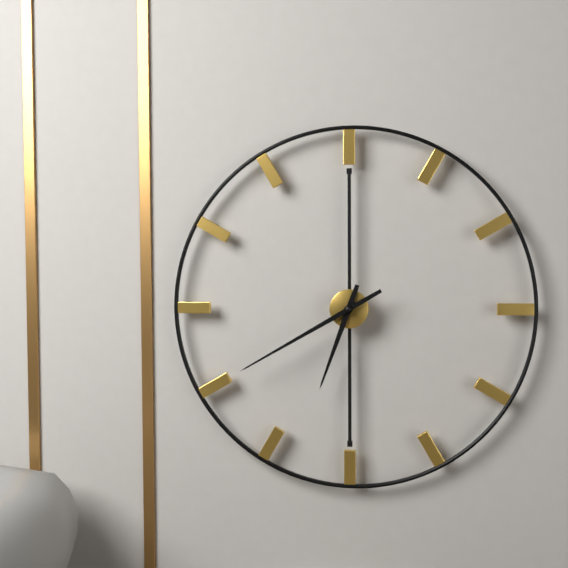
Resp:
h=6 m=40
